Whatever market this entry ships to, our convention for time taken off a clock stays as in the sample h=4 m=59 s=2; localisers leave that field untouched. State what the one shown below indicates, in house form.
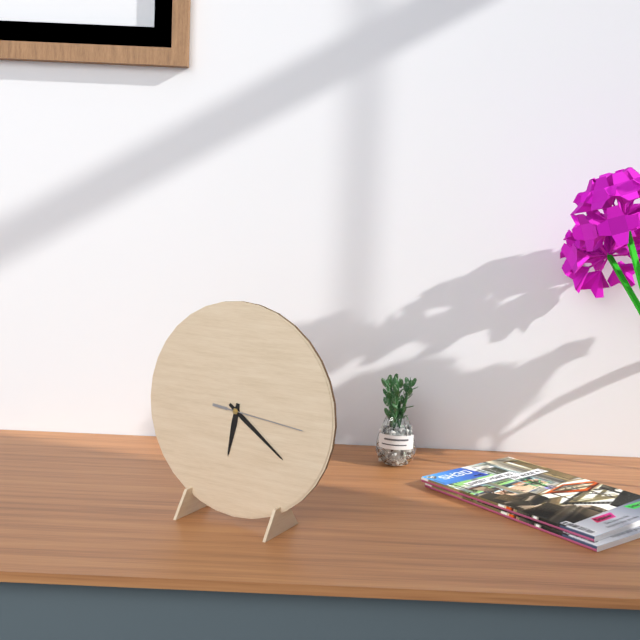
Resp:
h=6 m=21 s=16
